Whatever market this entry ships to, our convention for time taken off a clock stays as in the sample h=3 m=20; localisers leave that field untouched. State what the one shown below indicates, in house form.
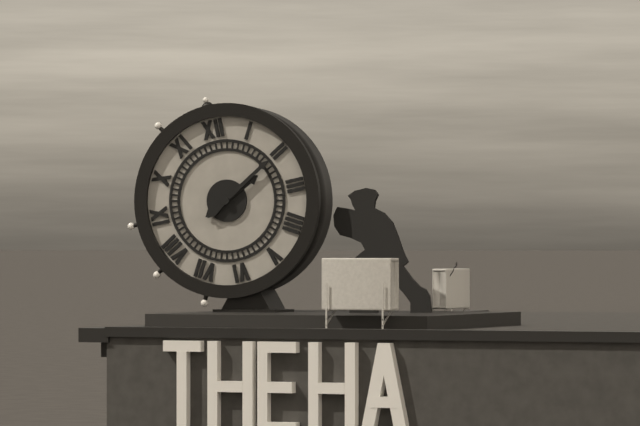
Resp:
h=2 m=10
